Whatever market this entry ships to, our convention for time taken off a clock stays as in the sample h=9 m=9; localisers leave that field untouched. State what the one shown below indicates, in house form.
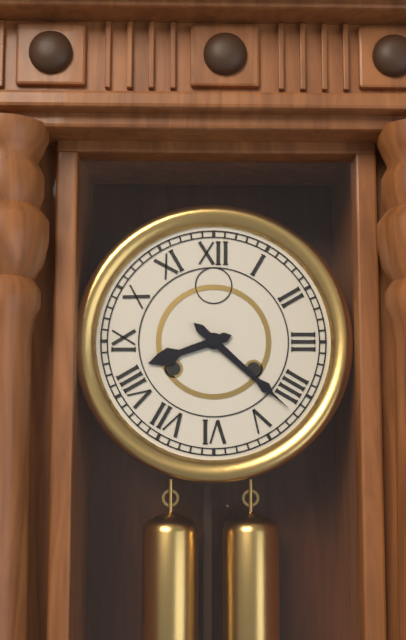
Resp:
h=8 m=22
